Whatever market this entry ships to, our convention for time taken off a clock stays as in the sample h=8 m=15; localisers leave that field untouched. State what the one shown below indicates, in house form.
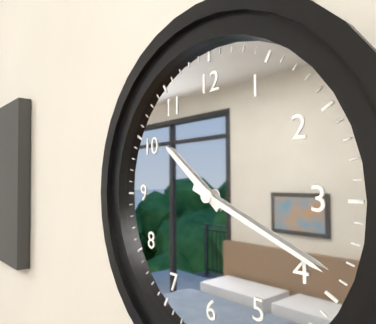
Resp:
h=10 m=19
